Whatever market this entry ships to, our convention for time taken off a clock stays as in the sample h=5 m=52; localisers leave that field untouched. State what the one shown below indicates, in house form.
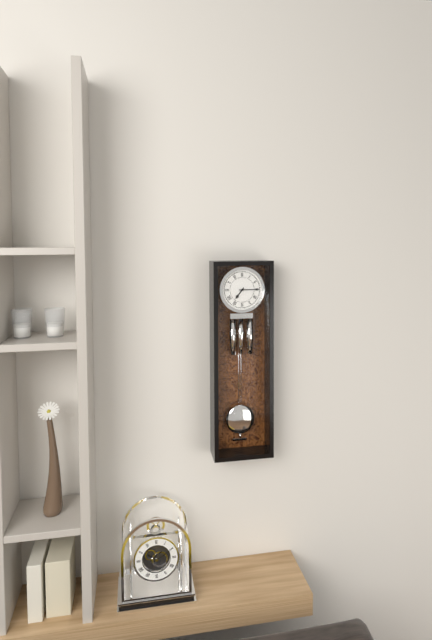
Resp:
h=7 m=15
